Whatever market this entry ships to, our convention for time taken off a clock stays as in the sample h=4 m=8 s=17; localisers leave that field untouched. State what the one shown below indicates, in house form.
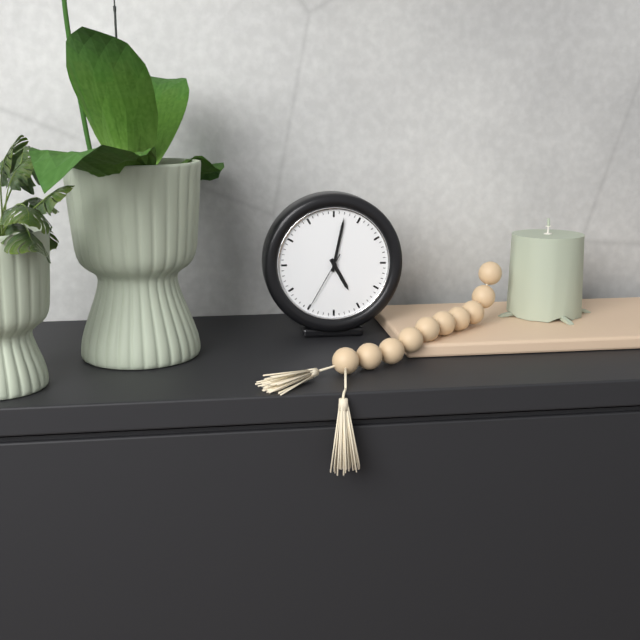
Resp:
h=5 m=2 s=35
